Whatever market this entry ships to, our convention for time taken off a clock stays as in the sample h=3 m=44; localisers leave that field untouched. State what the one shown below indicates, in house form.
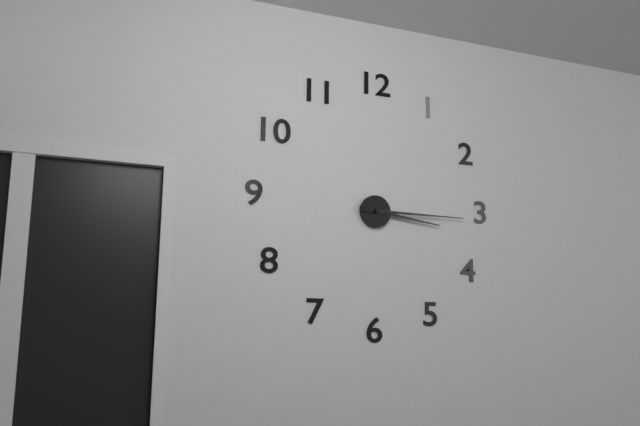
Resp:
h=3 m=15
